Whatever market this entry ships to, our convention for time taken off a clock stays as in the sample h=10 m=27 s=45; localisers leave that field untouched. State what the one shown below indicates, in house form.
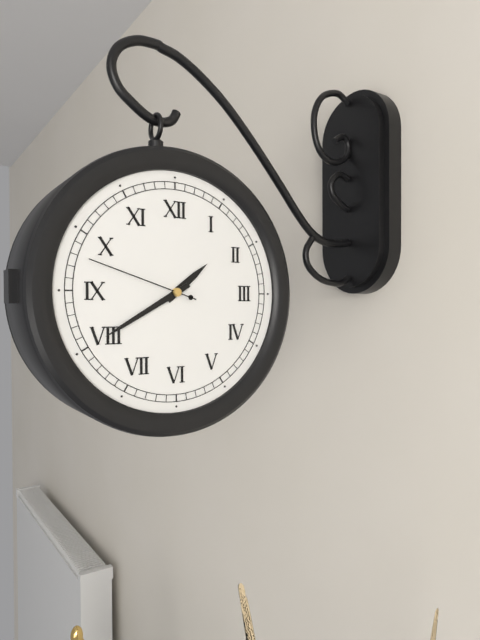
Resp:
h=1 m=40 s=48
